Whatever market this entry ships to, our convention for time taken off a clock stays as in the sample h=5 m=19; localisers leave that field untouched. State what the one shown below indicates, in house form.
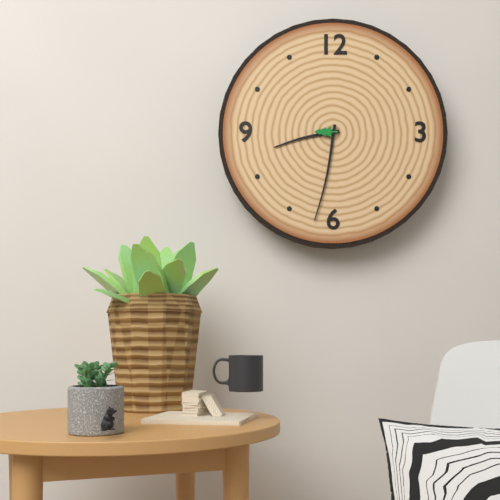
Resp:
h=8 m=32
